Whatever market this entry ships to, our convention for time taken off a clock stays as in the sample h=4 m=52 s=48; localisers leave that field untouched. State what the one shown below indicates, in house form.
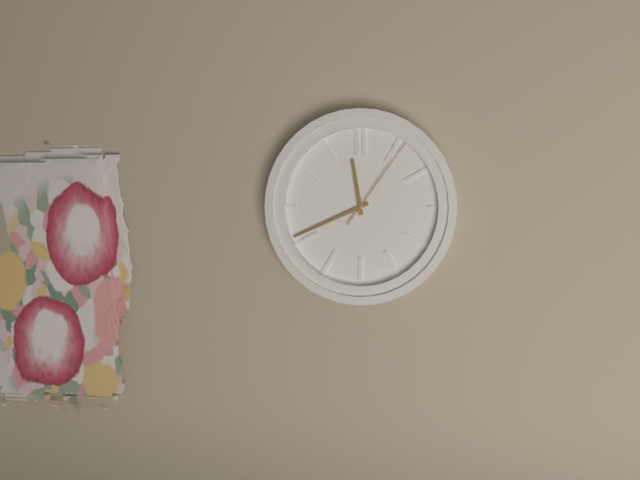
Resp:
h=11 m=41 s=6
